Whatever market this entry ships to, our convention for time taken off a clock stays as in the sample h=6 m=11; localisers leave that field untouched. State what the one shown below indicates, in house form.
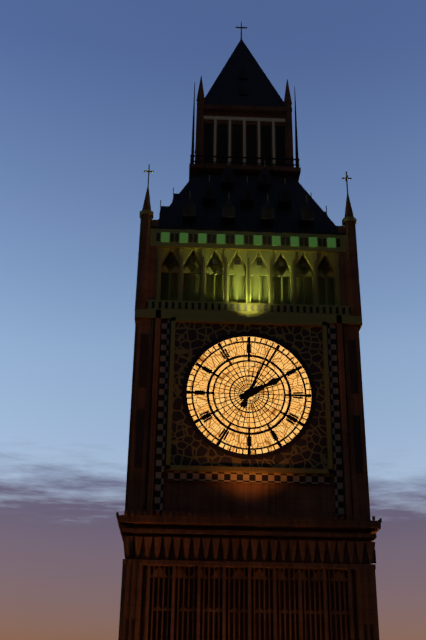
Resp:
h=2 m=4
